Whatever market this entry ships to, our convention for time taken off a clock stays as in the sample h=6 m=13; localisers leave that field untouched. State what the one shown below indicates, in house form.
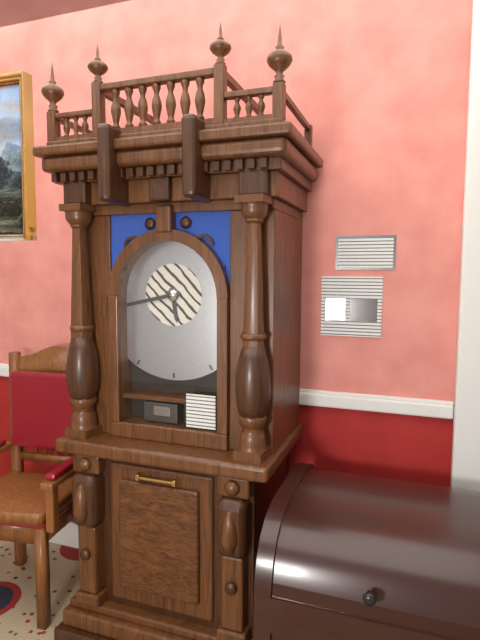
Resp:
h=5 m=43
